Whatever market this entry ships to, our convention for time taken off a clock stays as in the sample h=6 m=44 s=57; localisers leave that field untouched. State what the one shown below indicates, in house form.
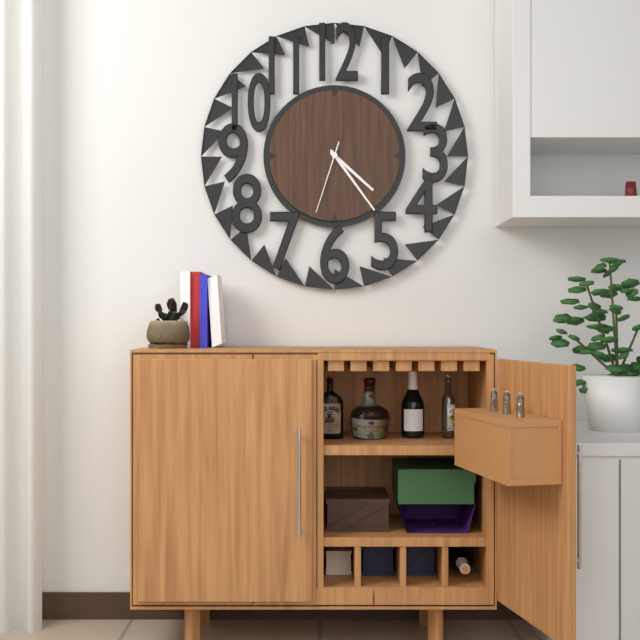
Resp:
h=4 m=24 s=33
